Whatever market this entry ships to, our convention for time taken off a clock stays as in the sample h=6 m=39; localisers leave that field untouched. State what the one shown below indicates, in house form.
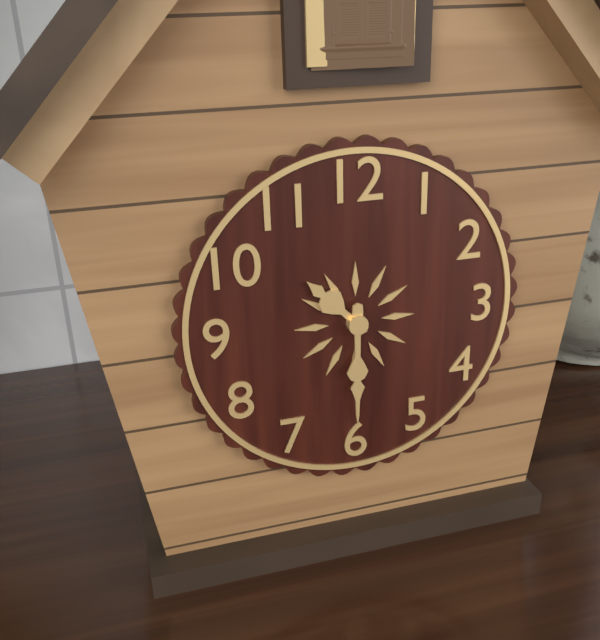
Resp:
h=10 m=30
